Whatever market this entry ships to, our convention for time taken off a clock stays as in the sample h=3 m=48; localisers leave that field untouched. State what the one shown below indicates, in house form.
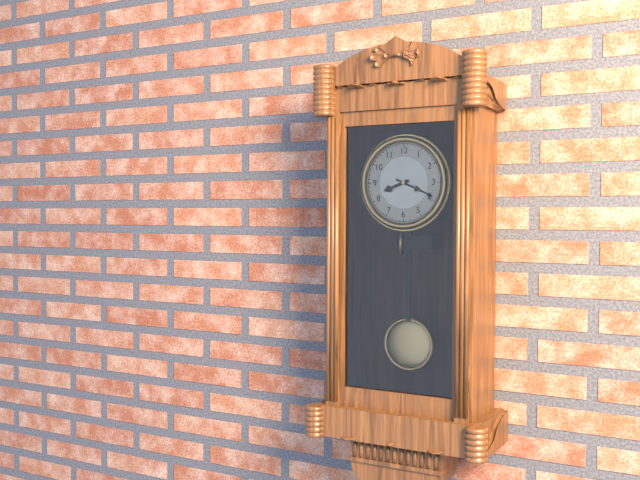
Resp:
h=8 m=19
